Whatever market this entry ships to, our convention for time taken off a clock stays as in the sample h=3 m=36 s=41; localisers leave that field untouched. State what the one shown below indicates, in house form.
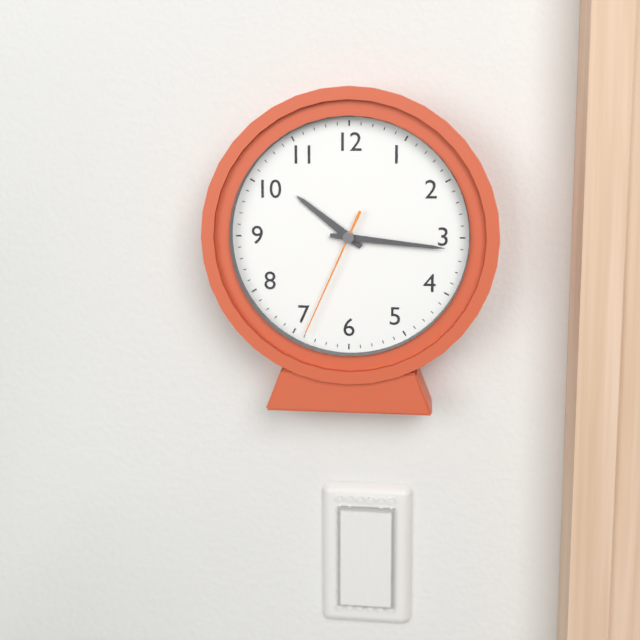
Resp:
h=10 m=16 s=34
